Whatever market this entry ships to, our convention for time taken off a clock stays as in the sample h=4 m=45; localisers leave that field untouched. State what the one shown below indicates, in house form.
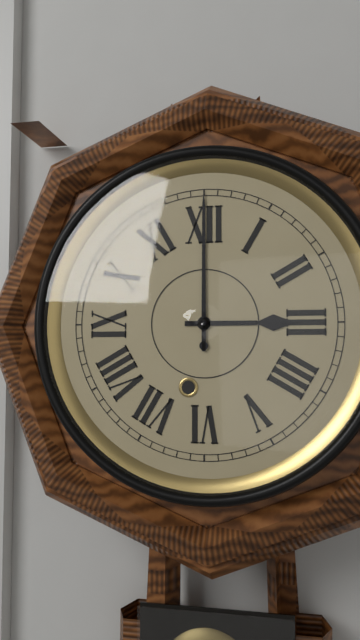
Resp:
h=3 m=0
